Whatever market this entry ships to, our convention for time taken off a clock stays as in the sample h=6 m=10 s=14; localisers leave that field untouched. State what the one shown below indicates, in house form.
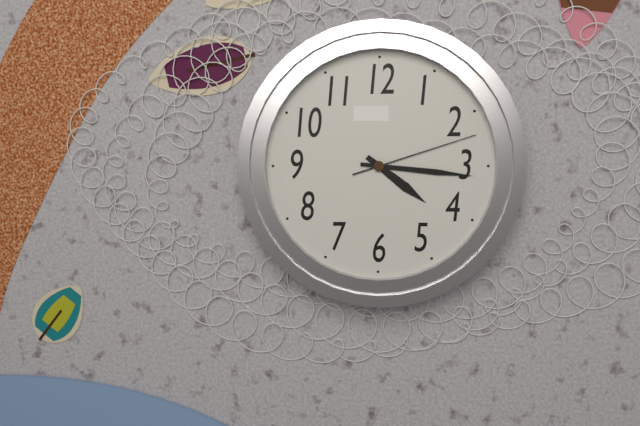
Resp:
h=4 m=16 s=12
